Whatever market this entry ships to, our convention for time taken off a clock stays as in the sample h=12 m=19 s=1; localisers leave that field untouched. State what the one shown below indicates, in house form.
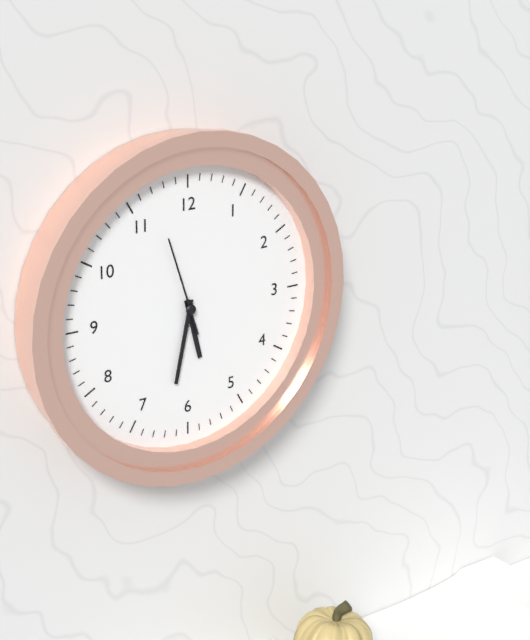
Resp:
h=5 m=32 s=57
